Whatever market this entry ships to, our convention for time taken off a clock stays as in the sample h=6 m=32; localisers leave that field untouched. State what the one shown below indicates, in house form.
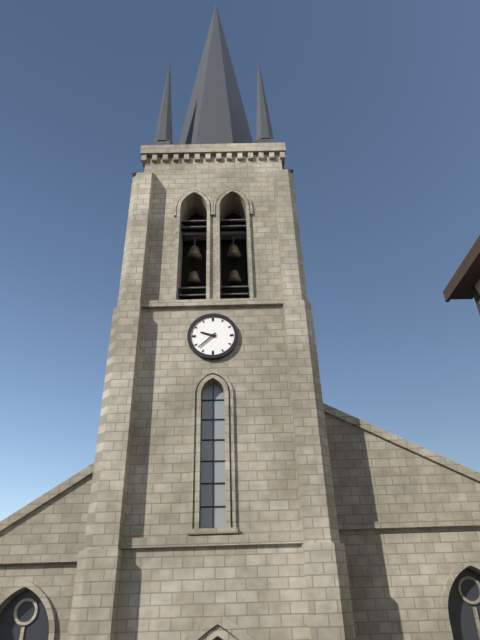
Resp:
h=9 m=38
